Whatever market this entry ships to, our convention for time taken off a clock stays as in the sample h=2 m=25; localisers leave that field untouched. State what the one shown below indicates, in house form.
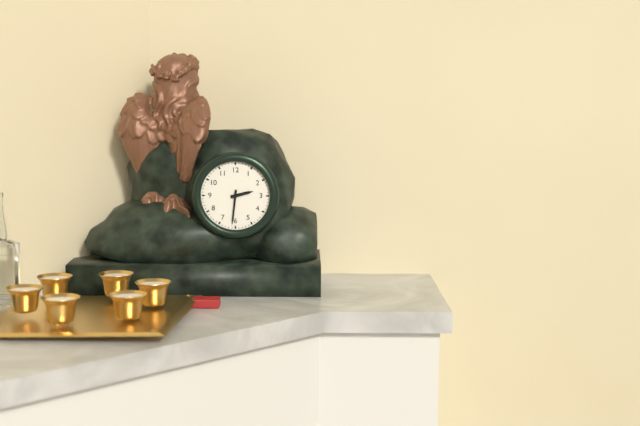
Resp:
h=2 m=31
